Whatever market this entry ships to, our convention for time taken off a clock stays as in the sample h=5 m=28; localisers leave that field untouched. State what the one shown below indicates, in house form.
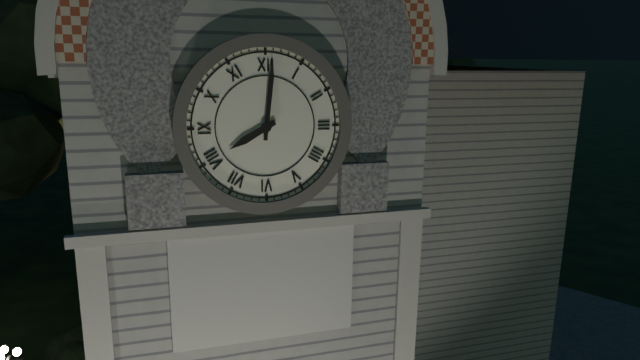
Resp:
h=8 m=1
